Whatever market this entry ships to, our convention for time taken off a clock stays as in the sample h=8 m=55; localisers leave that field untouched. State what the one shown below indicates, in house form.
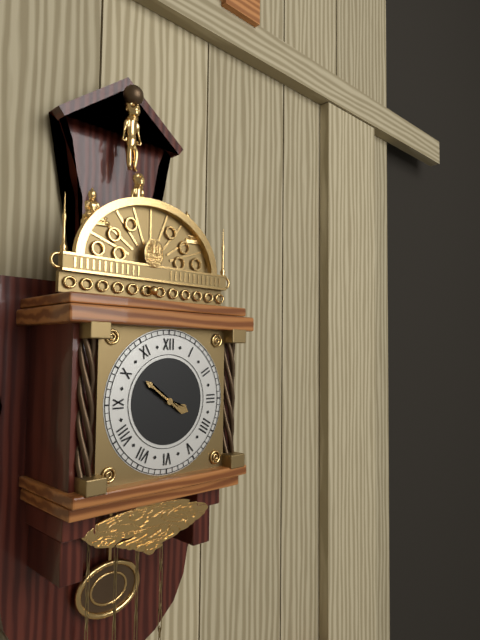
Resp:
h=3 m=51
